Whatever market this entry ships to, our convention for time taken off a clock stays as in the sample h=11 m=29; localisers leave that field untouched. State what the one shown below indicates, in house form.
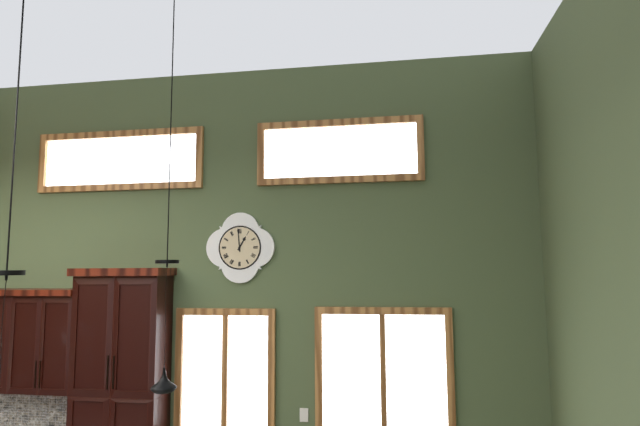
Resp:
h=12 m=59
